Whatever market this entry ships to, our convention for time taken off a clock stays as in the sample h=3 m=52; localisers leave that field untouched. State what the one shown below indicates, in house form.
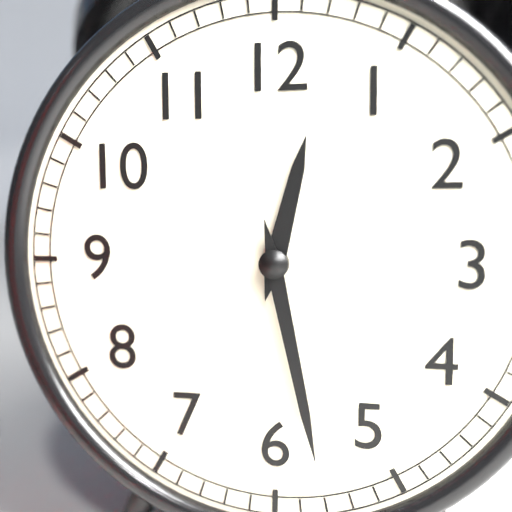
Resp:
h=12 m=28
